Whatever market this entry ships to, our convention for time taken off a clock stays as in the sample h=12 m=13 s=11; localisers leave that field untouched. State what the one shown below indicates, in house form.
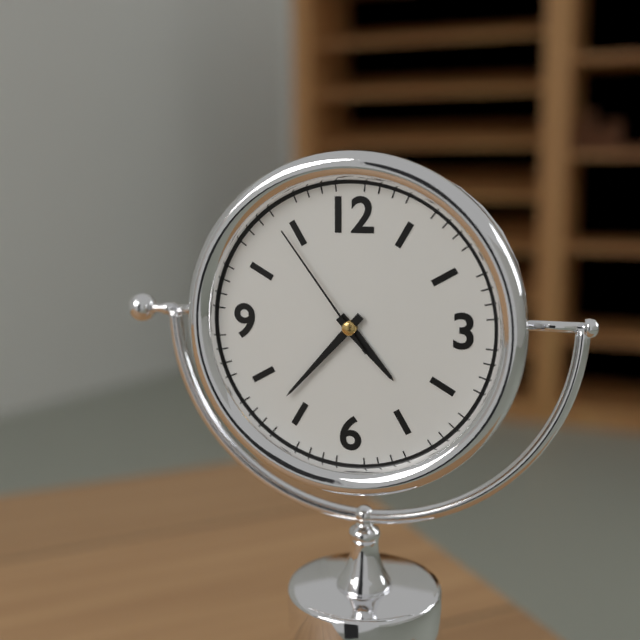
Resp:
h=4 m=37 s=54
